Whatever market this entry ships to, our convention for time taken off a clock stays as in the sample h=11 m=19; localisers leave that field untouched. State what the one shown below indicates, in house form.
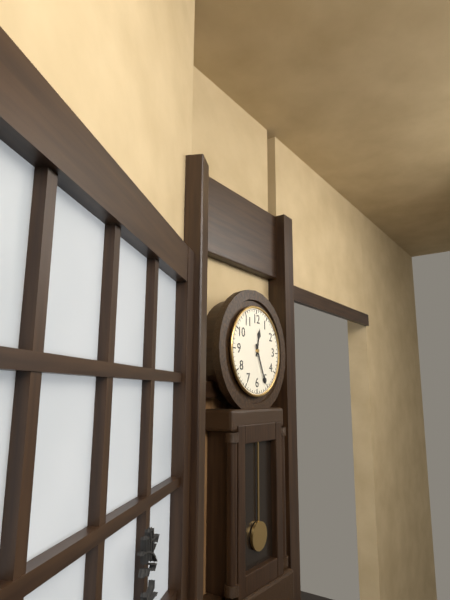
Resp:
h=12 m=26
